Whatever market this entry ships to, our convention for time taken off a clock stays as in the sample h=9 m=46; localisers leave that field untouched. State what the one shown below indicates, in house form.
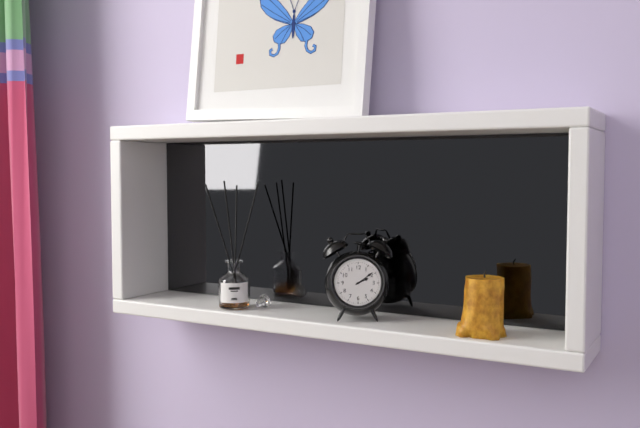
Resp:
h=2 m=9
